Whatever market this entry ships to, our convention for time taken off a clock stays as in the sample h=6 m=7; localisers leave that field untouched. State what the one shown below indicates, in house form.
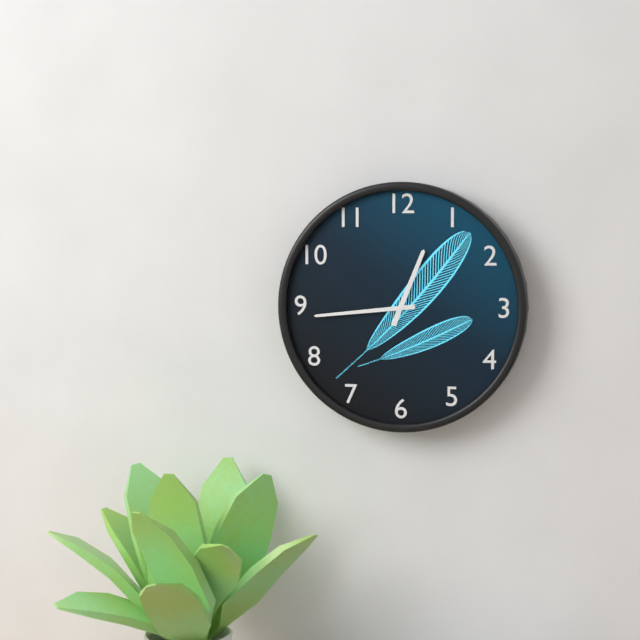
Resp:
h=12 m=44
